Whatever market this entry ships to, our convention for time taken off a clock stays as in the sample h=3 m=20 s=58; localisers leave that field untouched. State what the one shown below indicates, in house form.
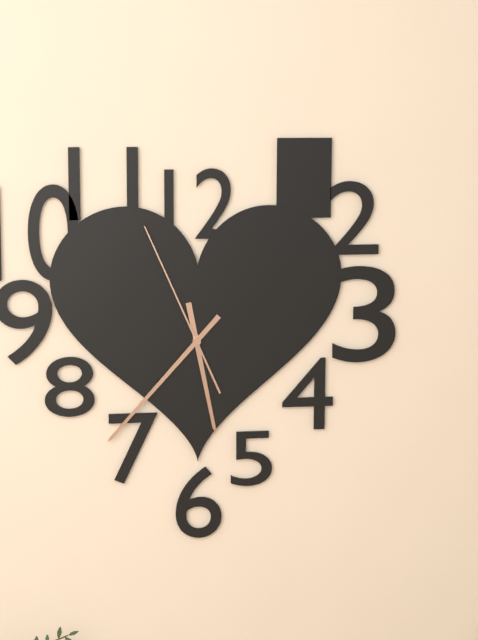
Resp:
h=5 m=37 s=56
